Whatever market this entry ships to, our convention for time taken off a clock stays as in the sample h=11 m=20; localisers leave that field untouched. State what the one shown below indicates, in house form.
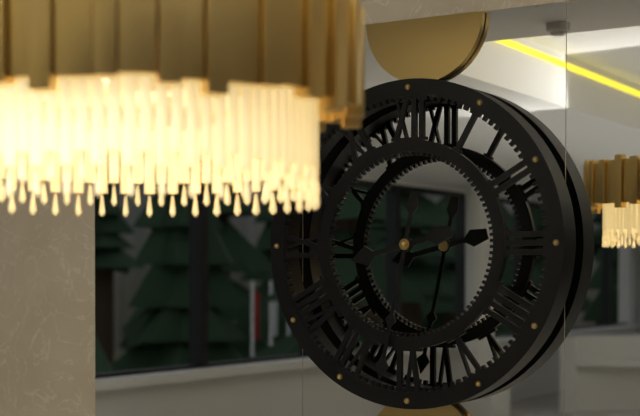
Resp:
h=8 m=32
